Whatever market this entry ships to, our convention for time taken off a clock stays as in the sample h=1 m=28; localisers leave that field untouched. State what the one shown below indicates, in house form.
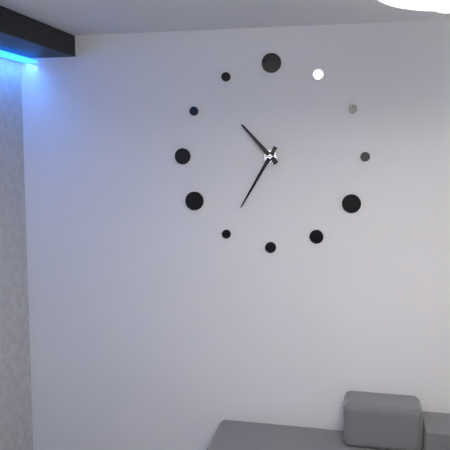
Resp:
h=10 m=35
